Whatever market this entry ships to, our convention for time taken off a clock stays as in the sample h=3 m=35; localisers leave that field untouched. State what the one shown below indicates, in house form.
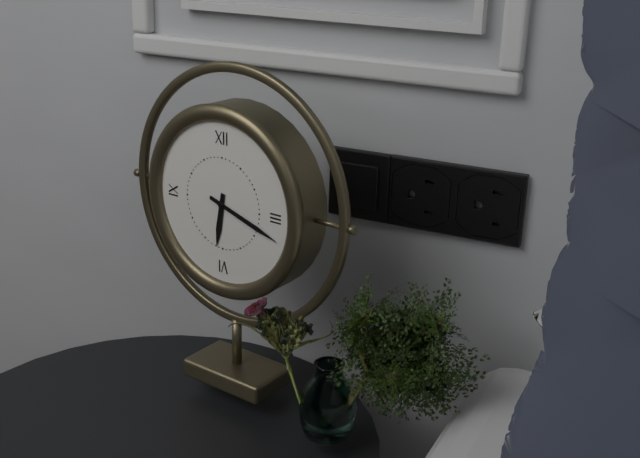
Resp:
h=6 m=18
